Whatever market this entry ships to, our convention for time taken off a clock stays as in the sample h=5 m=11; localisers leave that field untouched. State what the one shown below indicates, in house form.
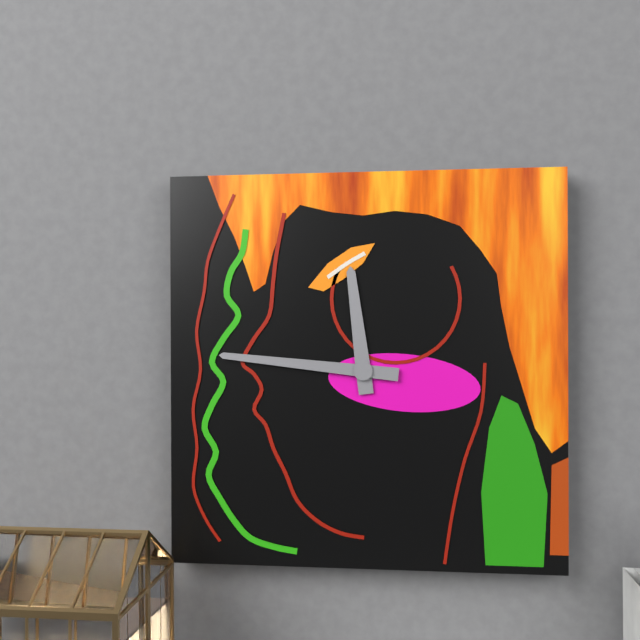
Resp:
h=11 m=46
